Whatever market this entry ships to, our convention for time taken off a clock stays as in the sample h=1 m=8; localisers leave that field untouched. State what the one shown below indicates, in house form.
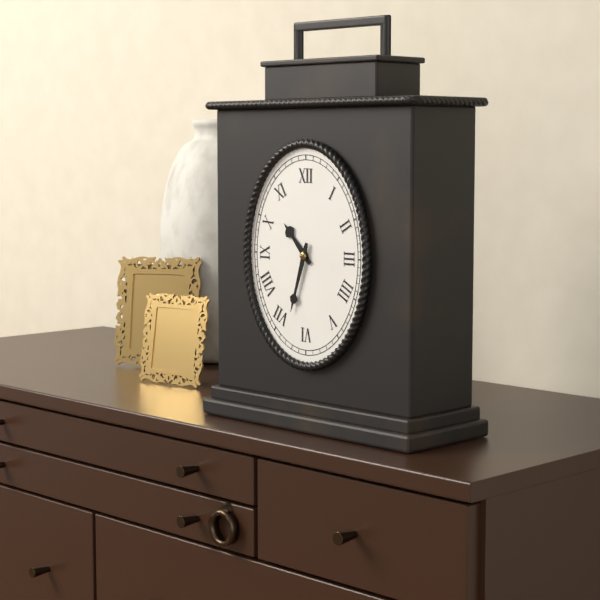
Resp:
h=10 m=33
